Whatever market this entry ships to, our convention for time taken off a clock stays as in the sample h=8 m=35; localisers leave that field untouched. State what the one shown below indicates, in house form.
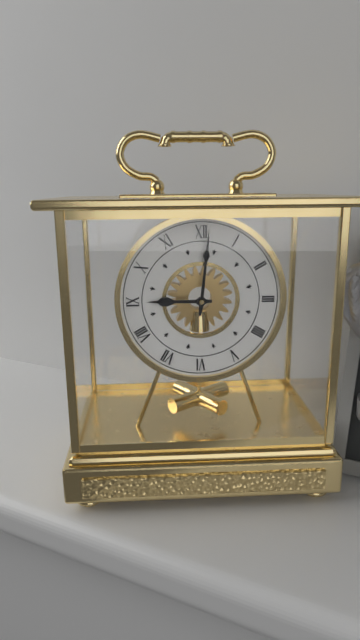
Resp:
h=9 m=1
